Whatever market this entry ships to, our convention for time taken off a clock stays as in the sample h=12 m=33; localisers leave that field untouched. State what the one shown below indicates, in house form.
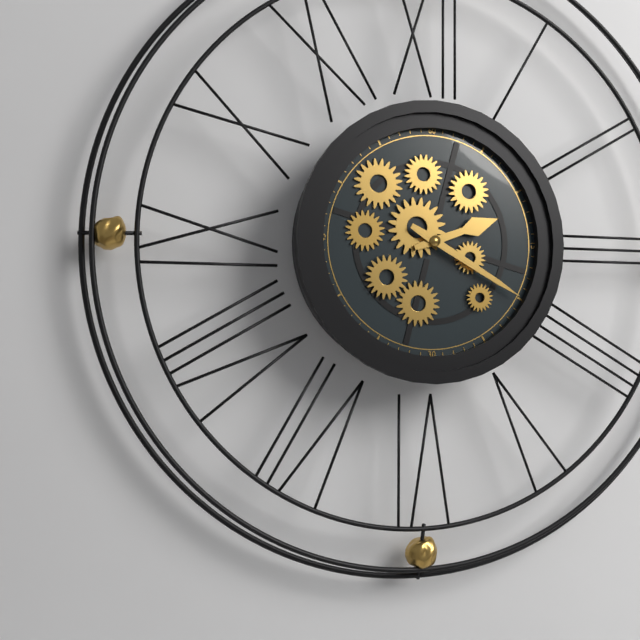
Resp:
h=2 m=20
